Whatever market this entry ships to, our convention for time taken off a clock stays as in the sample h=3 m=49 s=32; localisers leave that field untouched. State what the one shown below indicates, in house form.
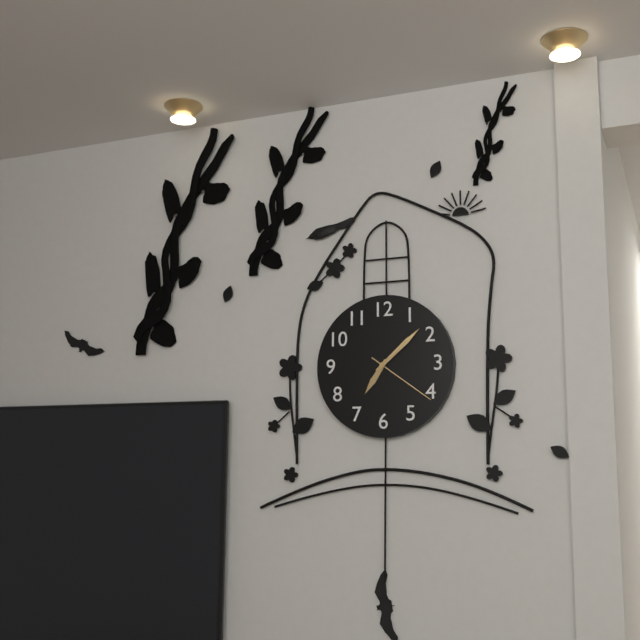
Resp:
h=7 m=8 s=21
